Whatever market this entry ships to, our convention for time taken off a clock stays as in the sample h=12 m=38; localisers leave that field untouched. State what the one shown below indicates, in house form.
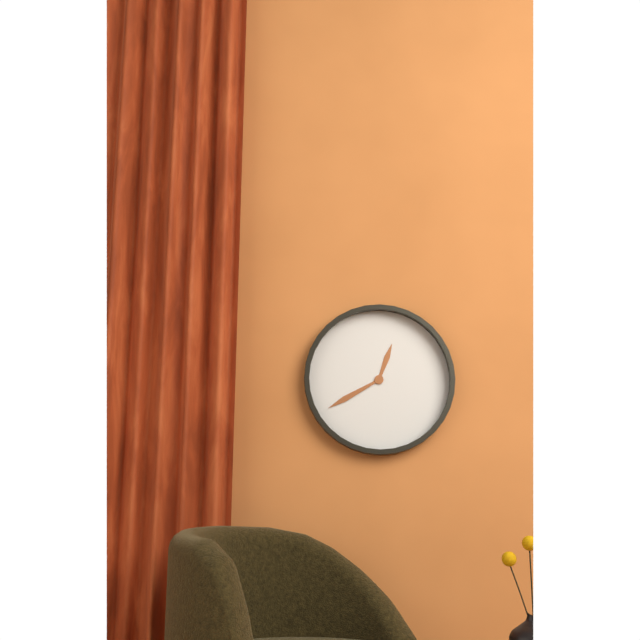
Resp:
h=12 m=40
